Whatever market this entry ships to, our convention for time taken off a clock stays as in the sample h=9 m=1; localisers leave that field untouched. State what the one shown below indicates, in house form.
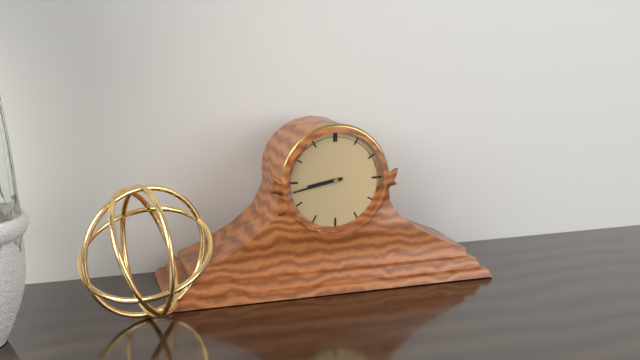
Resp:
h=8 m=43
